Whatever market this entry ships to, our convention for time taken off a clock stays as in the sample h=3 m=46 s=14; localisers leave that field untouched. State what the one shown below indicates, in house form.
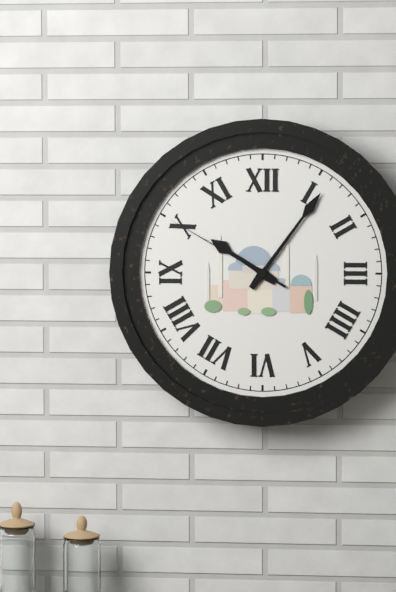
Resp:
h=10 m=6 s=50
